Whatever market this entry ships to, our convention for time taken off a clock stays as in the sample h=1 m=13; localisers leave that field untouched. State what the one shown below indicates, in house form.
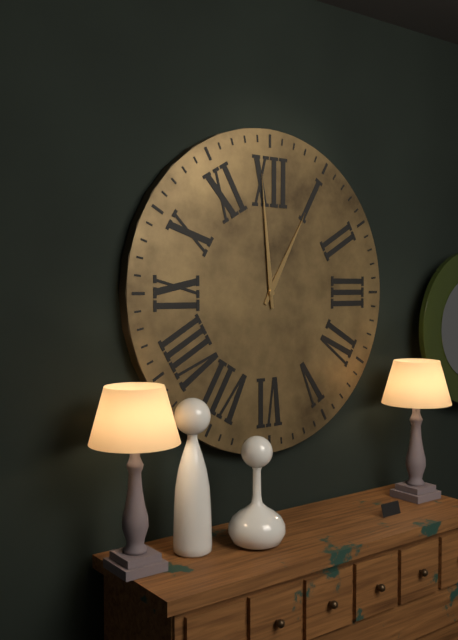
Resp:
h=12 m=59
